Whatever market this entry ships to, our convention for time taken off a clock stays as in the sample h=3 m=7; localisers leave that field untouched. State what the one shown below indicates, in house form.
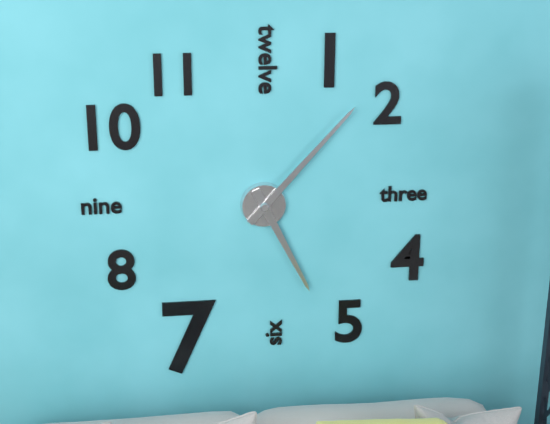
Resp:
h=5 m=7
